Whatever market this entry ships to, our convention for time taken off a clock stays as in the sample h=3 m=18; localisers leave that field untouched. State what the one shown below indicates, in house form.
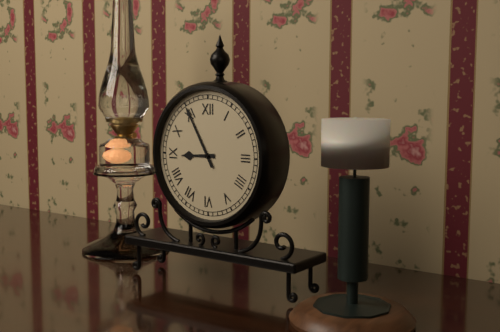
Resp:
h=8 m=55
